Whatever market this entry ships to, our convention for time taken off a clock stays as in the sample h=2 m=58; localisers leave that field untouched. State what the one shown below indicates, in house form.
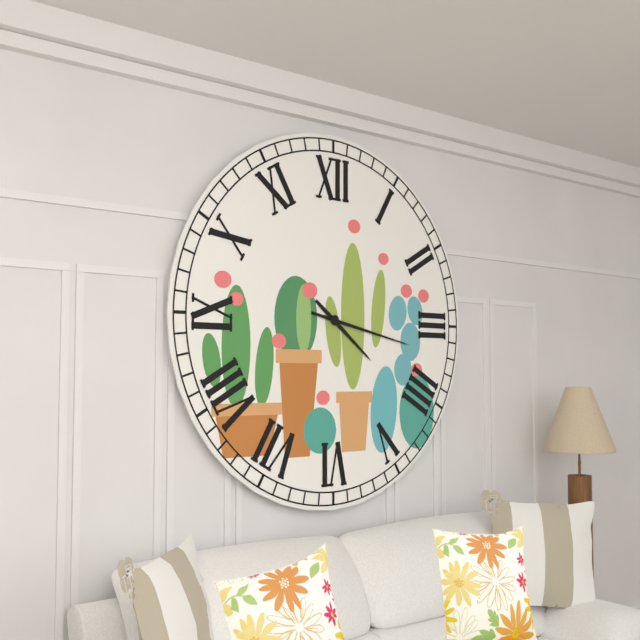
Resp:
h=4 m=17
